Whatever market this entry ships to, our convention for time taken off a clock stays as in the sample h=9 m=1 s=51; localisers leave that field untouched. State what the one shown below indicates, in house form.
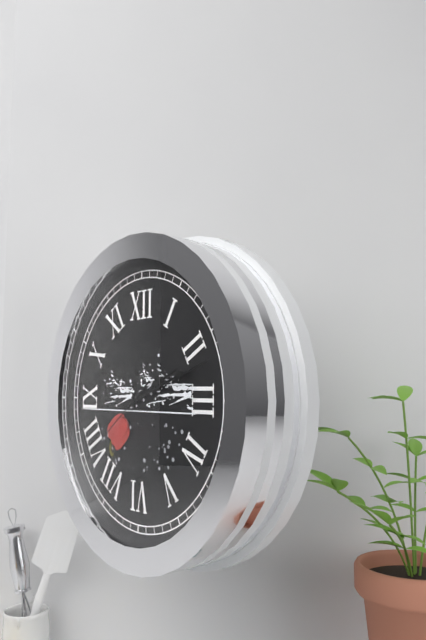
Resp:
h=2 m=12 s=39
